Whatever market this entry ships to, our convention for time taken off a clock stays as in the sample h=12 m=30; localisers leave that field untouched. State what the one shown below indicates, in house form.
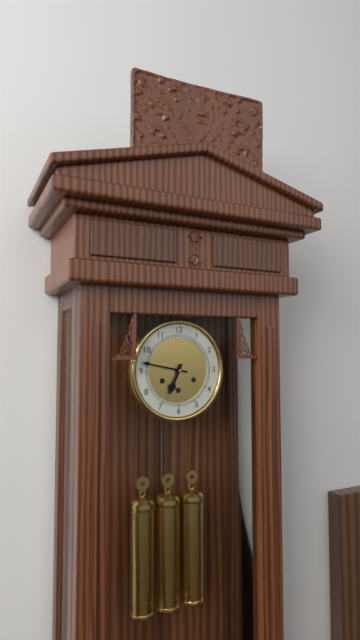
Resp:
h=6 m=47
